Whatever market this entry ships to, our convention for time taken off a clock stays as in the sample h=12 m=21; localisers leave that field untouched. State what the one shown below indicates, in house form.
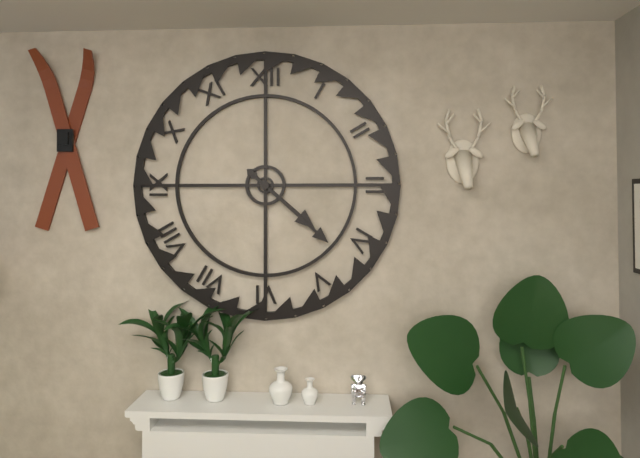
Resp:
h=4 m=22
